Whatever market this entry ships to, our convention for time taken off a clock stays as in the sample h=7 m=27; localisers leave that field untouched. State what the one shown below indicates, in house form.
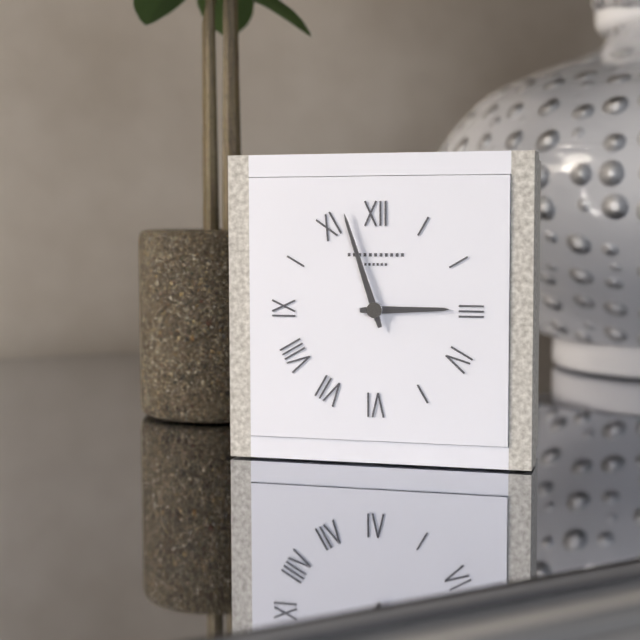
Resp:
h=2 m=57
